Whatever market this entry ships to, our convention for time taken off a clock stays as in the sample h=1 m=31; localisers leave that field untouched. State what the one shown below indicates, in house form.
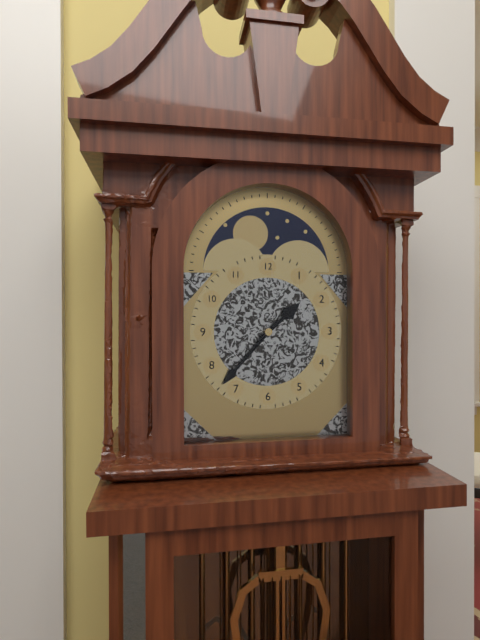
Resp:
h=1 m=37
